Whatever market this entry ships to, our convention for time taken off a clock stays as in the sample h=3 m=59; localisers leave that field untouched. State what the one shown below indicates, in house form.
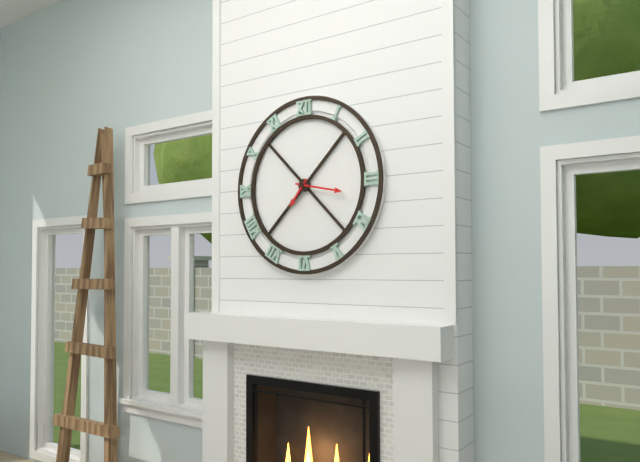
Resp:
h=7 m=17
